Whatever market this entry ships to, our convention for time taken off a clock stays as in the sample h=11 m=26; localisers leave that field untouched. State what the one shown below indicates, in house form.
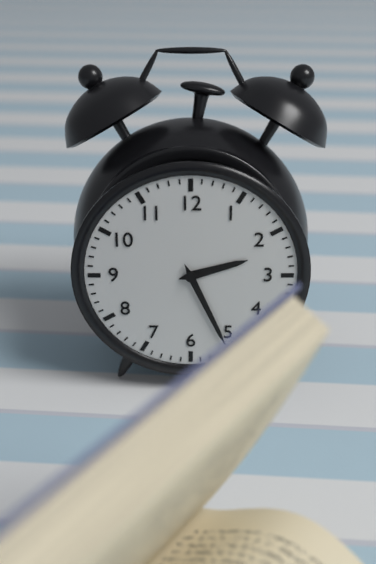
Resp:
h=2 m=26
